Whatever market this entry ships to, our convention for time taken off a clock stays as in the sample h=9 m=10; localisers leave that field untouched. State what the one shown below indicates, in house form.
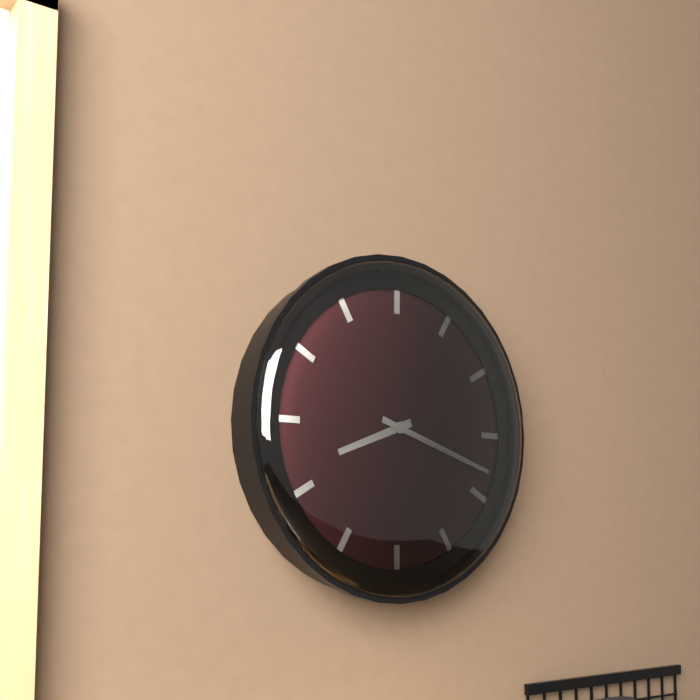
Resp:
h=8 m=18
